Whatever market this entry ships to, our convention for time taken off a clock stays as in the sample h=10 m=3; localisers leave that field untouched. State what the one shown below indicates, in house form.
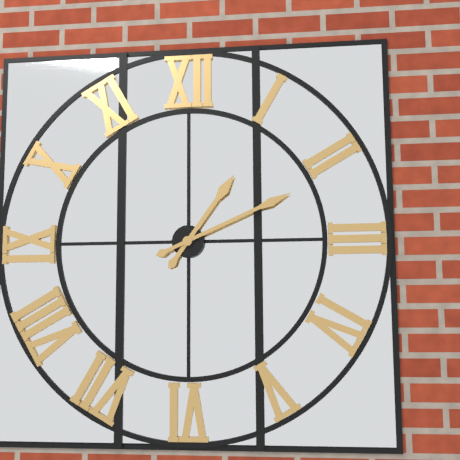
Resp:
h=1 m=11
